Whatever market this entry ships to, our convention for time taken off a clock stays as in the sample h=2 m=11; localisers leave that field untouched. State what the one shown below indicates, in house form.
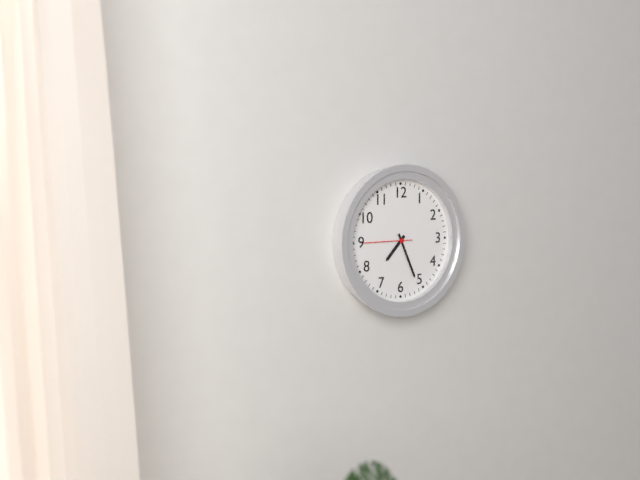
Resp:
h=7 m=26
